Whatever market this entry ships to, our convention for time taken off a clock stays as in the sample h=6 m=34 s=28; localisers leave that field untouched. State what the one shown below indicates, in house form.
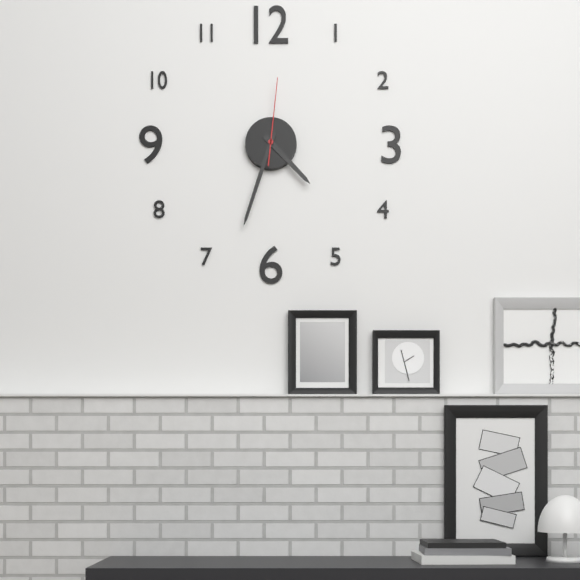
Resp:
h=4 m=33 s=1
